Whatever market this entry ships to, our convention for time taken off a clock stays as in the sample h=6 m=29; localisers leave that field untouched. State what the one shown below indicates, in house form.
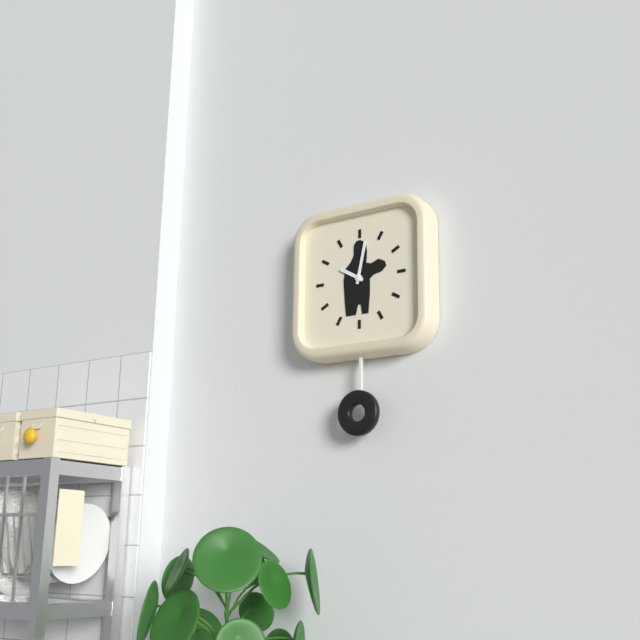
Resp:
h=10 m=2
